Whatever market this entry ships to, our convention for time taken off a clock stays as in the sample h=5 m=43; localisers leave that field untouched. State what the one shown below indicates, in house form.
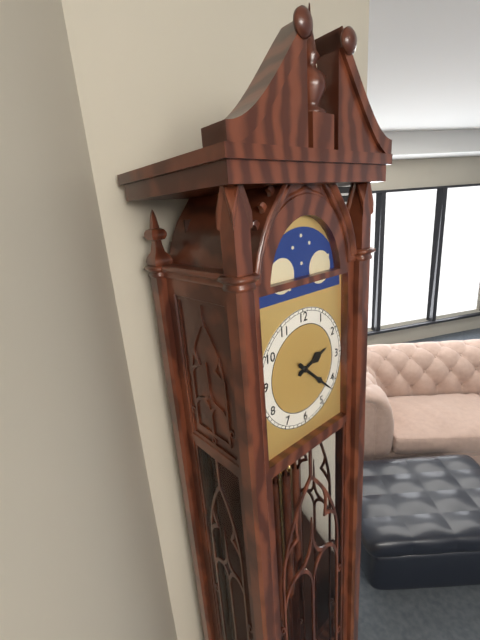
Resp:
h=2 m=22
